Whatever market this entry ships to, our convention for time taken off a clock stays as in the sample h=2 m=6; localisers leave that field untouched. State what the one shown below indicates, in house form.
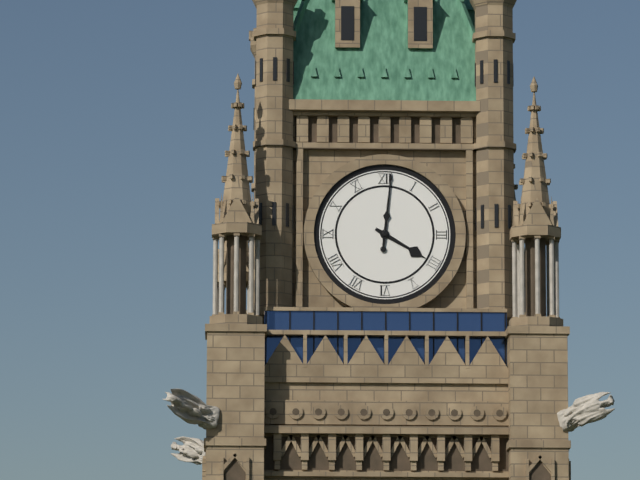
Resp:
h=4 m=1
